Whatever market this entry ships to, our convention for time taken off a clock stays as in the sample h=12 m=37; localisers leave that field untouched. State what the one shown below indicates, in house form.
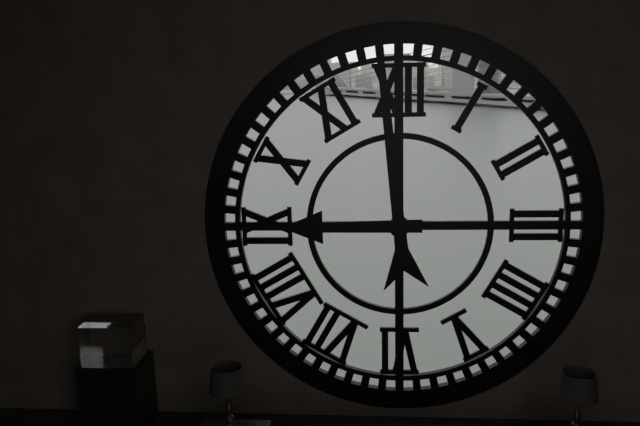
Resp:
h=8 m=59
